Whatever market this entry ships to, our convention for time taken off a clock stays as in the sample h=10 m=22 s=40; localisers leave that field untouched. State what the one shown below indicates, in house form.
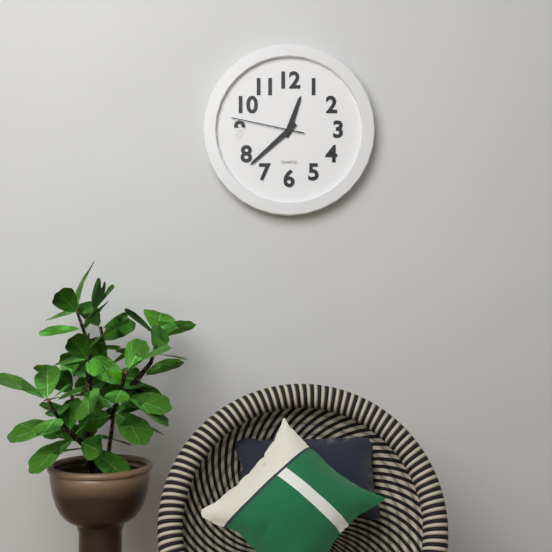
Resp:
h=12 m=38 s=47
